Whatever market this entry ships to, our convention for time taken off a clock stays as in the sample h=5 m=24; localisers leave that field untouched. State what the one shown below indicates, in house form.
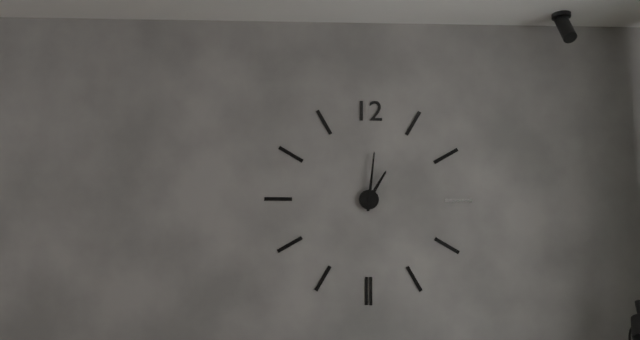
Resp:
h=1 m=1
